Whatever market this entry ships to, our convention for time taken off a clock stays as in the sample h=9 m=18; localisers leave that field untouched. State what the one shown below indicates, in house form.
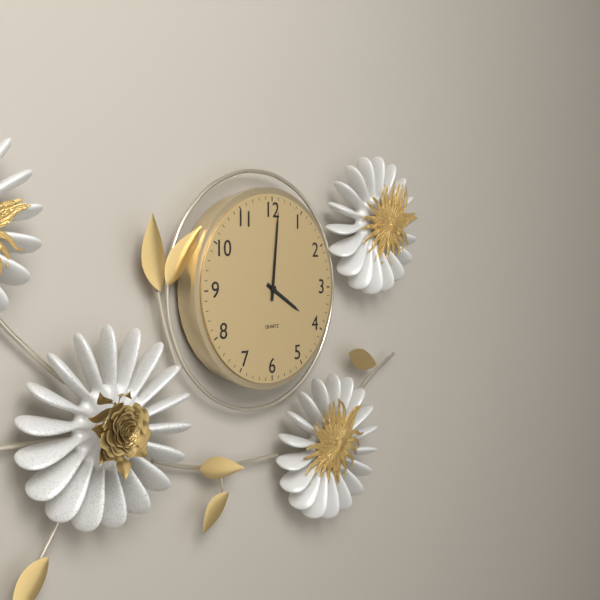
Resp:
h=4 m=1
